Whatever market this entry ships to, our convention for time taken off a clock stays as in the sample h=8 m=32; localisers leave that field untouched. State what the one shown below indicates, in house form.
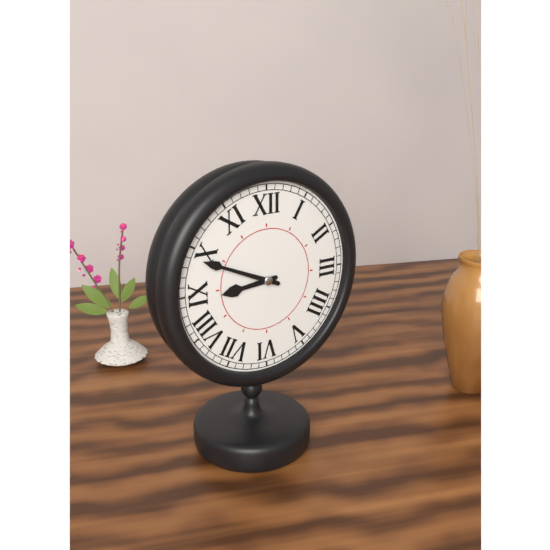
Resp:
h=8 m=49
